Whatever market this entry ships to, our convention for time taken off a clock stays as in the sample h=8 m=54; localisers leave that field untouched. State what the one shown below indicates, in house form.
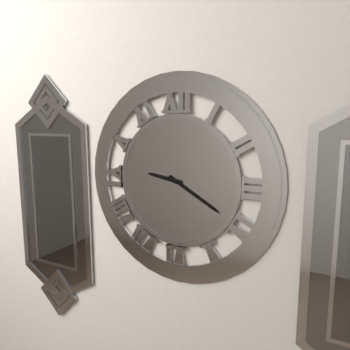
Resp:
h=9 m=20
